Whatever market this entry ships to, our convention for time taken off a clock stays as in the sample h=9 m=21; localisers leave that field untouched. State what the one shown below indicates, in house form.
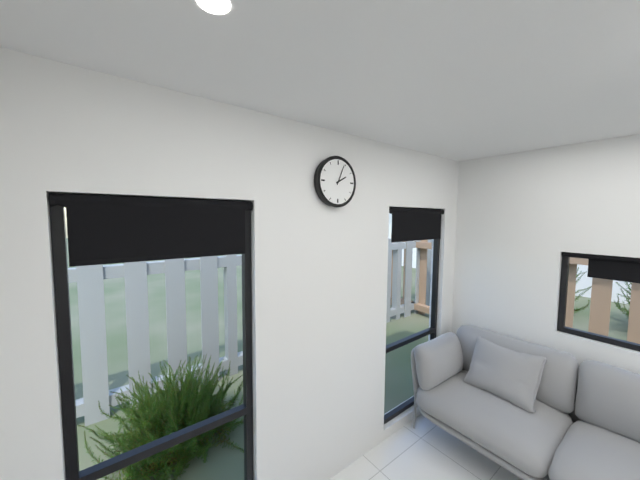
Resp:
h=2 m=4
